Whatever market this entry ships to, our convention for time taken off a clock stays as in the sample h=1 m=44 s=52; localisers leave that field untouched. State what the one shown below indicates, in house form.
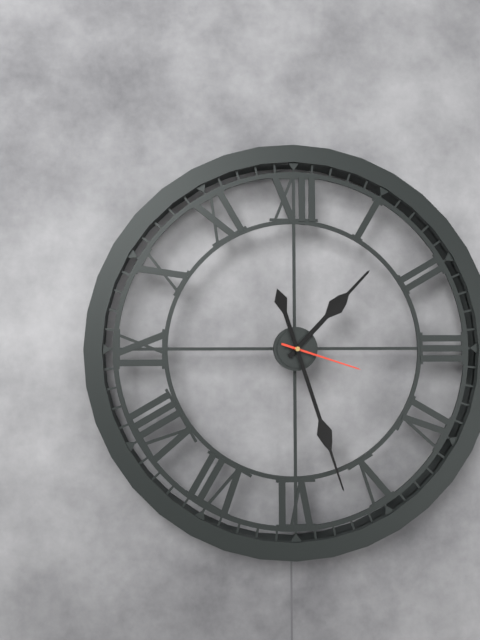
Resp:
h=1 m=27 s=18
